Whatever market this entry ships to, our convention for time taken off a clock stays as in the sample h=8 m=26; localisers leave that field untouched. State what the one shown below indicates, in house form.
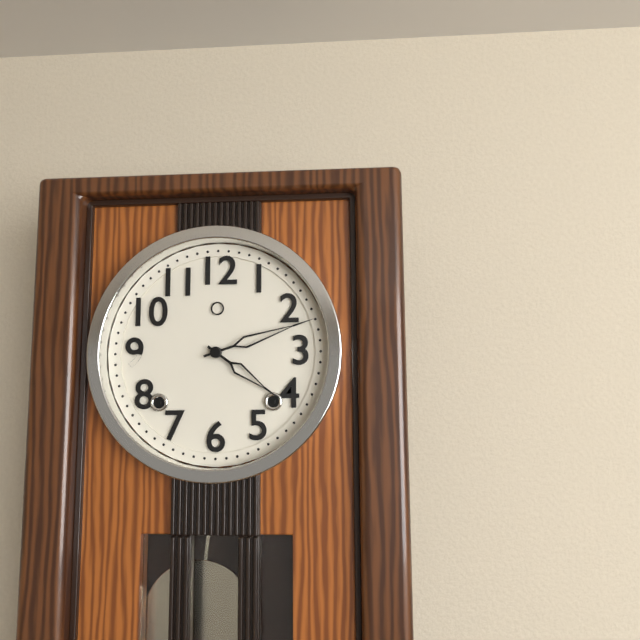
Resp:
h=4 m=12
